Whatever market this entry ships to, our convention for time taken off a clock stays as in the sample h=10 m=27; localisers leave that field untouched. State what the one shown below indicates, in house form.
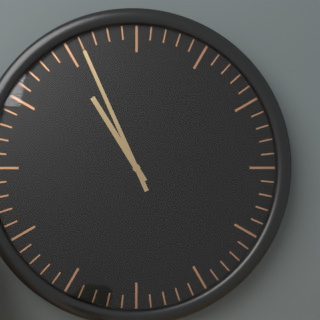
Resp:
h=10 m=56
